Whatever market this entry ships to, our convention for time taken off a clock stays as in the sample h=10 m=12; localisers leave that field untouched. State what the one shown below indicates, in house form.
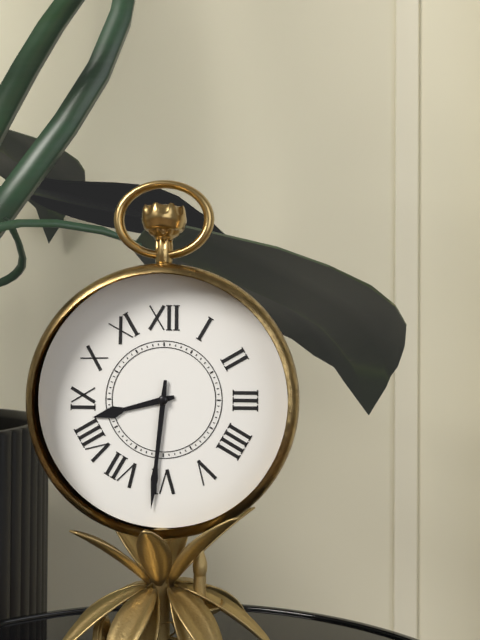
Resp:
h=8 m=31
